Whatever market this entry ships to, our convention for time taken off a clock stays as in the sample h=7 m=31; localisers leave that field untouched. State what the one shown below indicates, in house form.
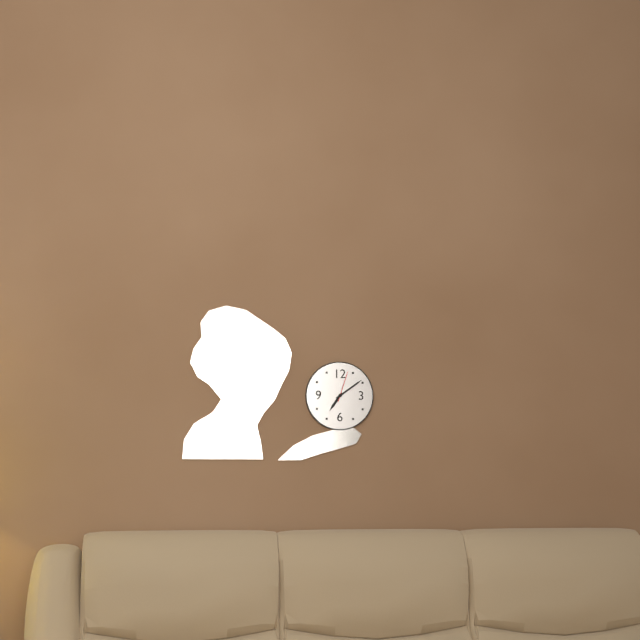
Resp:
h=7 m=9
